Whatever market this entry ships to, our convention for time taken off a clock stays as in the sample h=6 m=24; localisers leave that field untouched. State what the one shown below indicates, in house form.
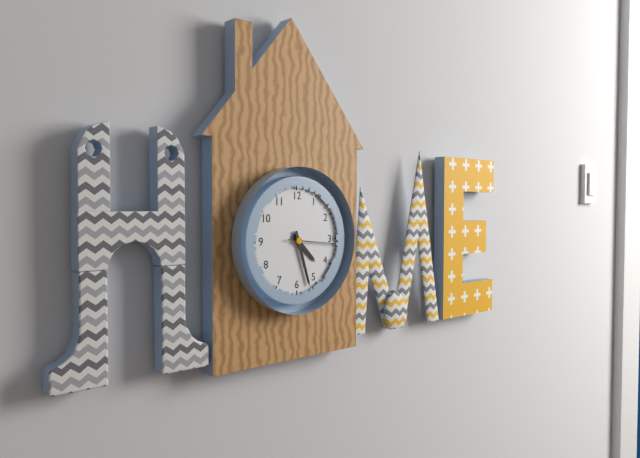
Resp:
h=4 m=27
